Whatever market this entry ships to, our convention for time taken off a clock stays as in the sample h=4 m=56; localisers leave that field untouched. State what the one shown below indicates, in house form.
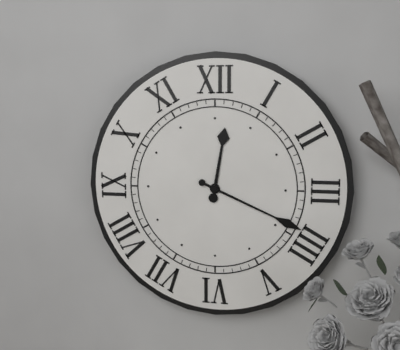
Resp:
h=12 m=19
